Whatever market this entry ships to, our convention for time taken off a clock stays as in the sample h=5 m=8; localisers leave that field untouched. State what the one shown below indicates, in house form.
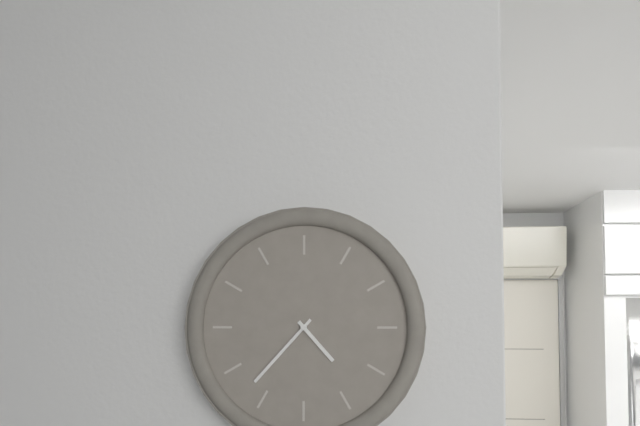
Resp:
h=4 m=37
